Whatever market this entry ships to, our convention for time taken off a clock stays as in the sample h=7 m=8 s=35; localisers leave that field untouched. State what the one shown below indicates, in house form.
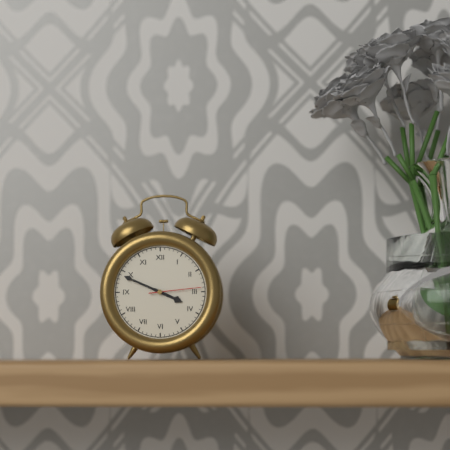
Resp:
h=3 m=49 s=14
